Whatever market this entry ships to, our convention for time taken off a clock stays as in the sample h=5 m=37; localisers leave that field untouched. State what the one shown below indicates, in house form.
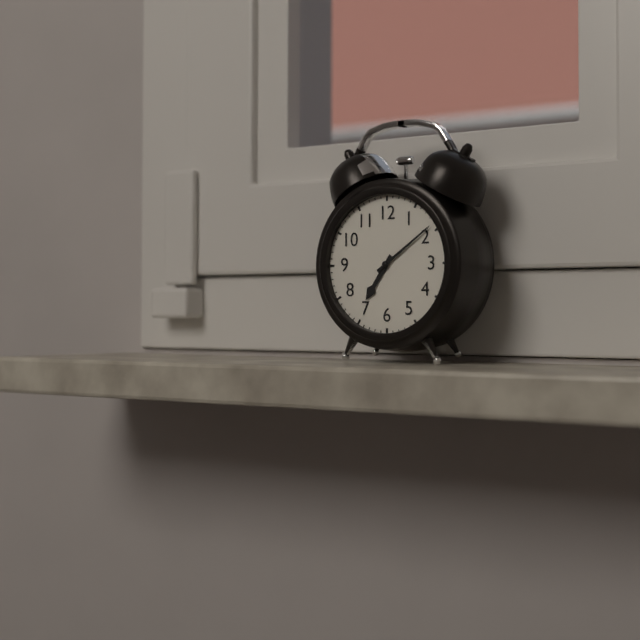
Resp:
h=7 m=9
